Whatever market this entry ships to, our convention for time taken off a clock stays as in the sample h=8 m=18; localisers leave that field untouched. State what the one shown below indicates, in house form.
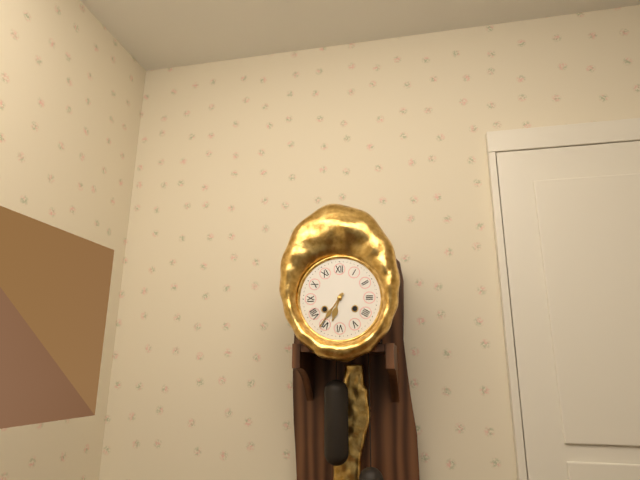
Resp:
h=6 m=36
